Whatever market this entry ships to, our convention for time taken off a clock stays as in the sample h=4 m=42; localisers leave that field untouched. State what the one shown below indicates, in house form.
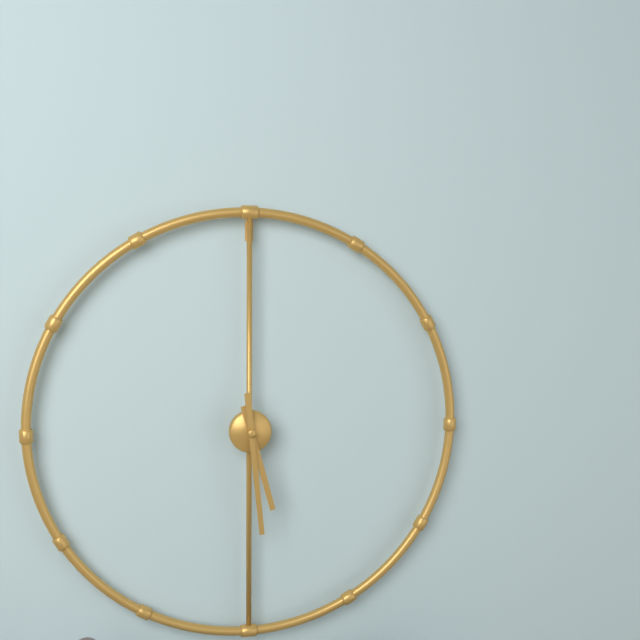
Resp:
h=5 m=29
